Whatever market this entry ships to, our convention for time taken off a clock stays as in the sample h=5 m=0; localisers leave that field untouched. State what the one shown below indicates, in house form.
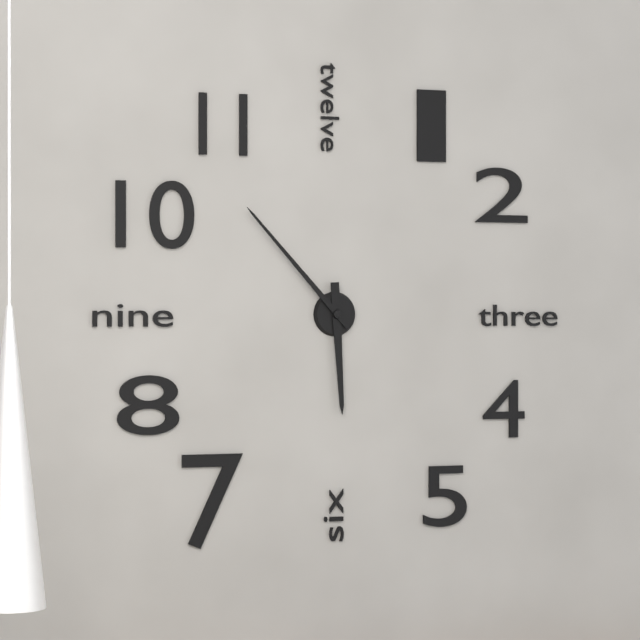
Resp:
h=5 m=53
